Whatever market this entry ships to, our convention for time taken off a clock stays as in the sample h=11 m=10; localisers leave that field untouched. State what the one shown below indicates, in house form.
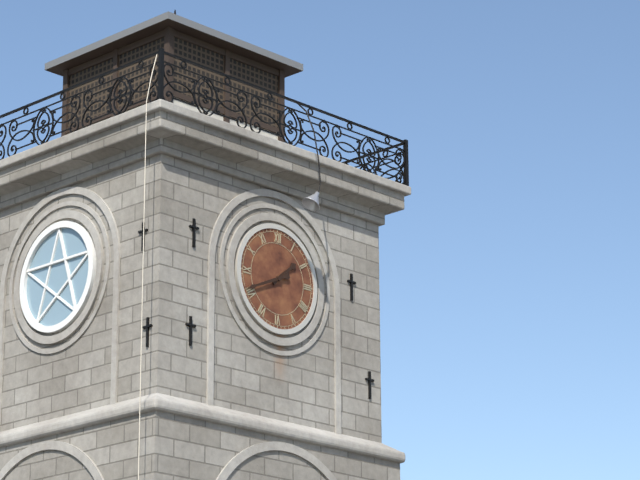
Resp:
h=1 m=41
